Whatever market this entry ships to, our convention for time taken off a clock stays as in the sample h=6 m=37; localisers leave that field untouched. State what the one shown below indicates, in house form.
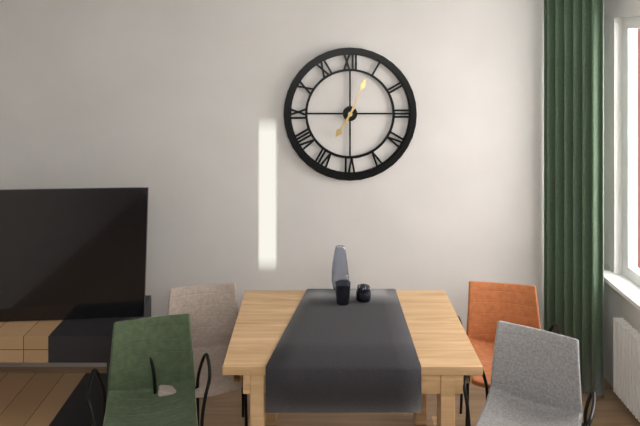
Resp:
h=7 m=4
